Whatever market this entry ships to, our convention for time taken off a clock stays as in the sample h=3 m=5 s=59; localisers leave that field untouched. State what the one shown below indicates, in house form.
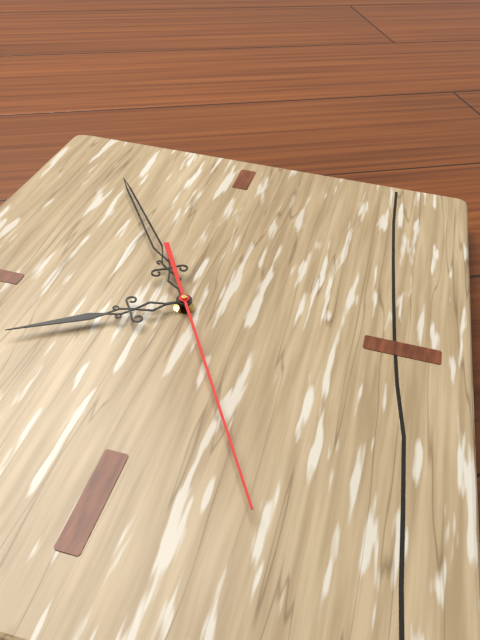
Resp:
h=7 m=54 s=25
